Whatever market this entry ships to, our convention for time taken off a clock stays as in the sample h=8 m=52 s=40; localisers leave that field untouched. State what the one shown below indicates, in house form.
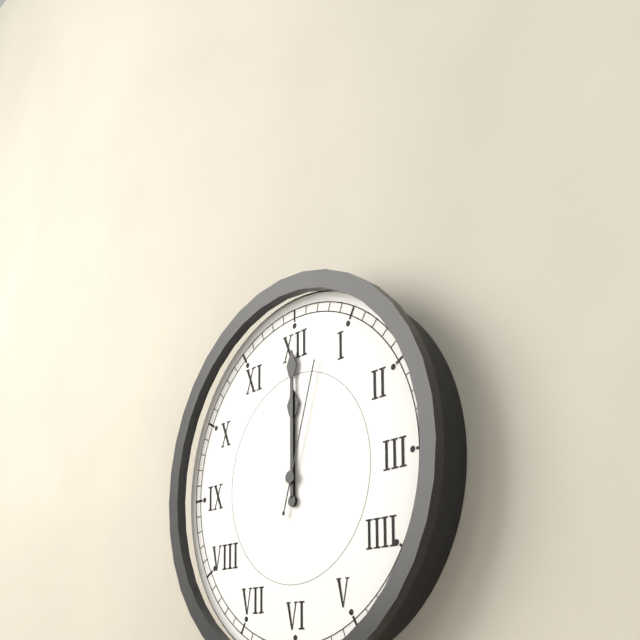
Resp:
h=12 m=0 s=3
